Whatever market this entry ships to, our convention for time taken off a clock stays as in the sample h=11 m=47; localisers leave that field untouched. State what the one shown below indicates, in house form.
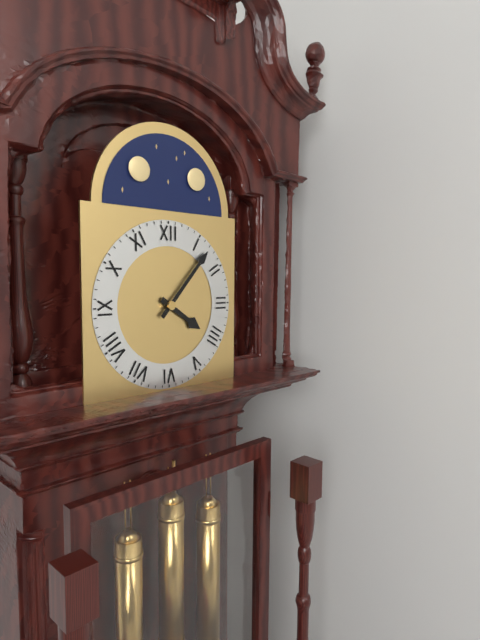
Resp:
h=4 m=7
